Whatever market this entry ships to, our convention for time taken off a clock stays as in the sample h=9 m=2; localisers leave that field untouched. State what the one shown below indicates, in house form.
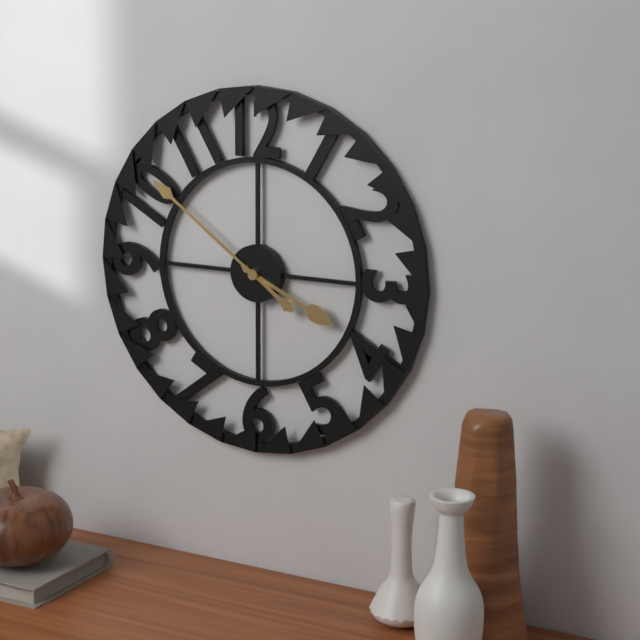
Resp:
h=3 m=51
